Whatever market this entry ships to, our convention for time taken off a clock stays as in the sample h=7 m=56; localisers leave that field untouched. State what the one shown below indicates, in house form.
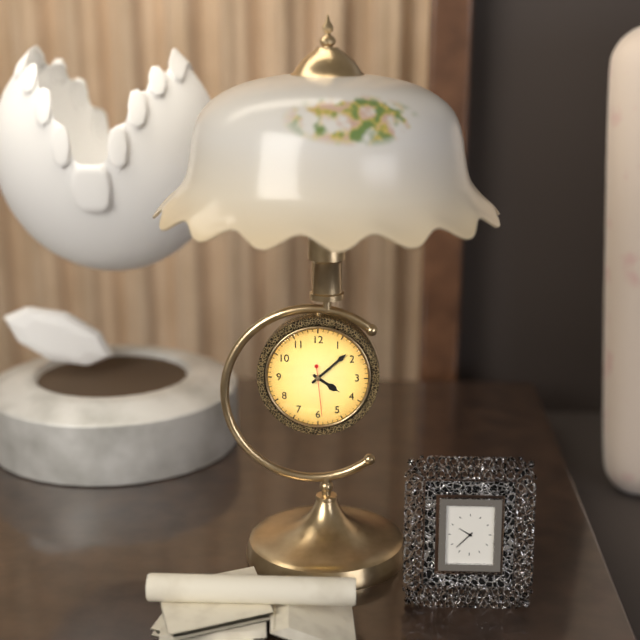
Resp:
h=4 m=8
